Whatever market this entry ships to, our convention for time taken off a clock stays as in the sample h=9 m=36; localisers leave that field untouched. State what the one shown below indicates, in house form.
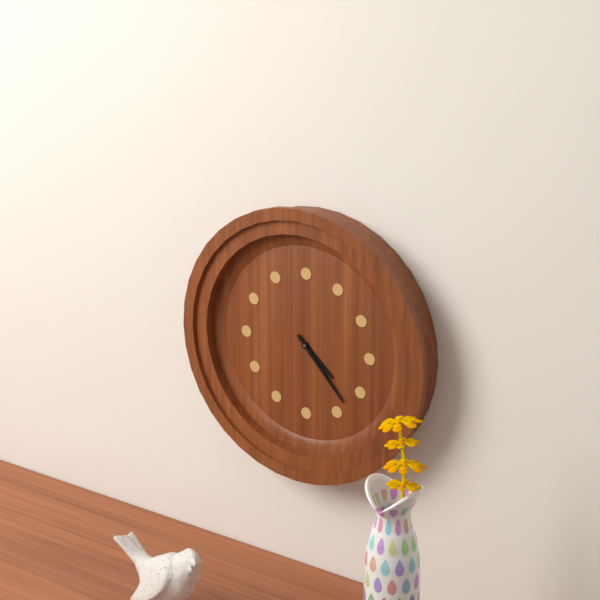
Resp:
h=4 m=23
